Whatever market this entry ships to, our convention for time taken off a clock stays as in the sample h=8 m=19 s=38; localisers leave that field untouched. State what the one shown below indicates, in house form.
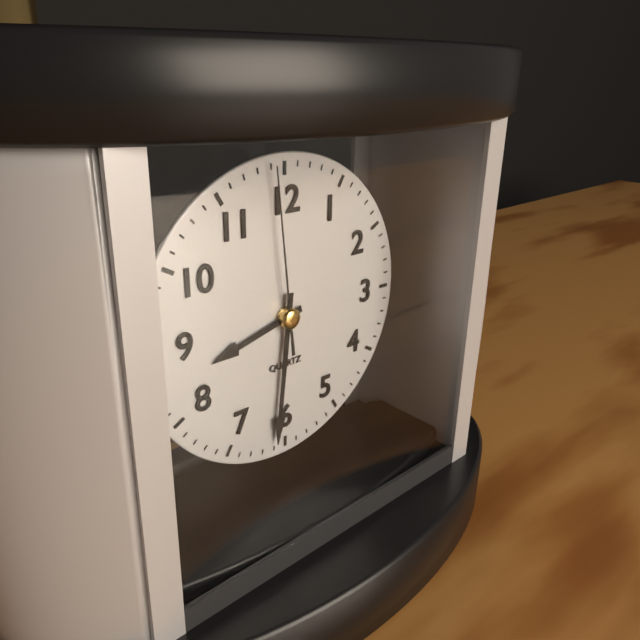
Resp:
h=8 m=31 s=59
